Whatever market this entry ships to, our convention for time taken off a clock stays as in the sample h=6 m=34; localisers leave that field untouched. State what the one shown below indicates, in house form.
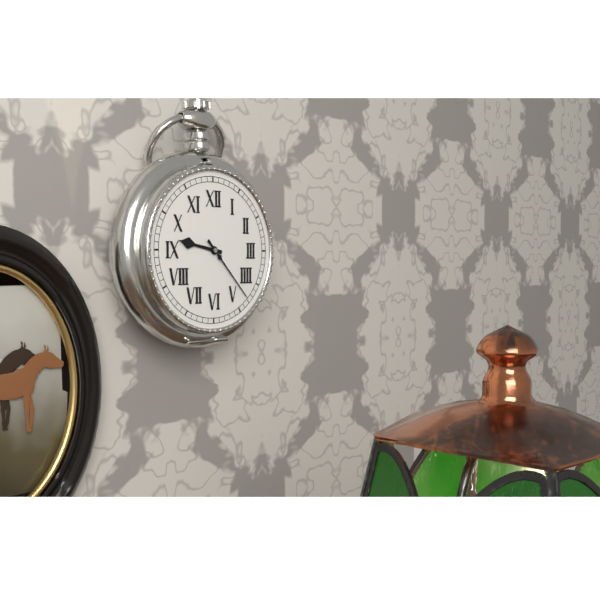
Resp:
h=9 m=23
